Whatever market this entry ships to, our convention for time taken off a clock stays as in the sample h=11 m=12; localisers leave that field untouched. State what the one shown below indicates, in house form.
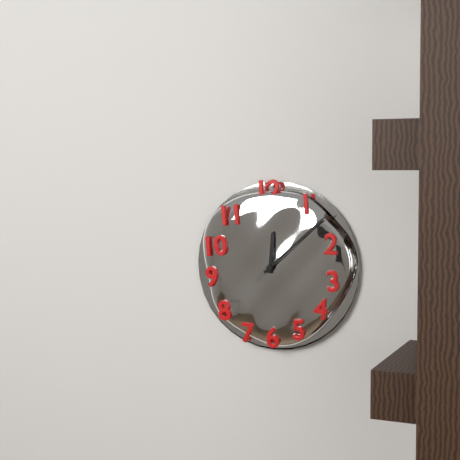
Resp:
h=12 m=8
